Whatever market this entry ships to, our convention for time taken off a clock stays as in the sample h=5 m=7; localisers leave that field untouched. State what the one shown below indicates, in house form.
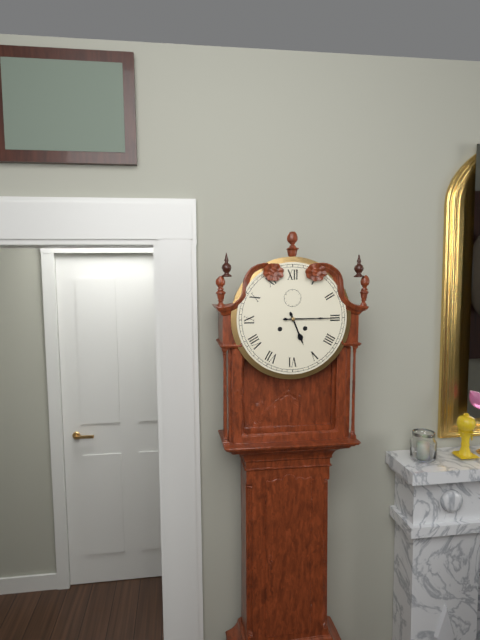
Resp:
h=5 m=15
